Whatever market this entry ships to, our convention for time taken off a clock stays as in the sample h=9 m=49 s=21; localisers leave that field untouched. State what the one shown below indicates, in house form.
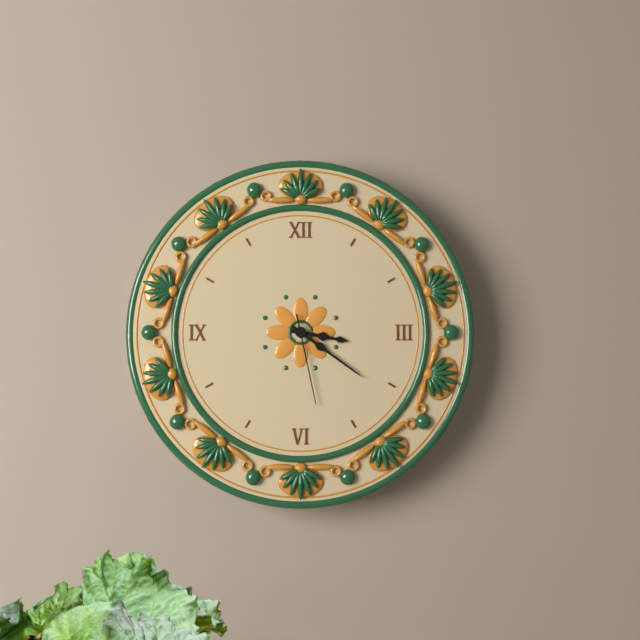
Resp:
h=3 m=21 s=28
